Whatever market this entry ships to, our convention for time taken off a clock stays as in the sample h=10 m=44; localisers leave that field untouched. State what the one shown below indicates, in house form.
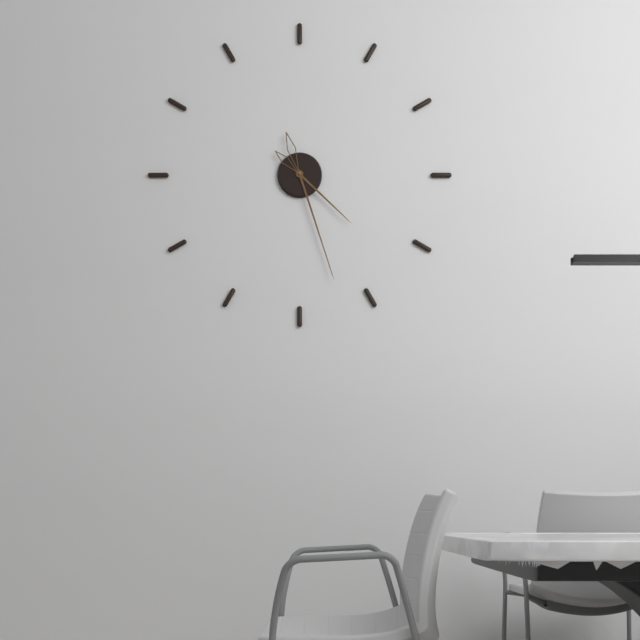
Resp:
h=4 m=27
